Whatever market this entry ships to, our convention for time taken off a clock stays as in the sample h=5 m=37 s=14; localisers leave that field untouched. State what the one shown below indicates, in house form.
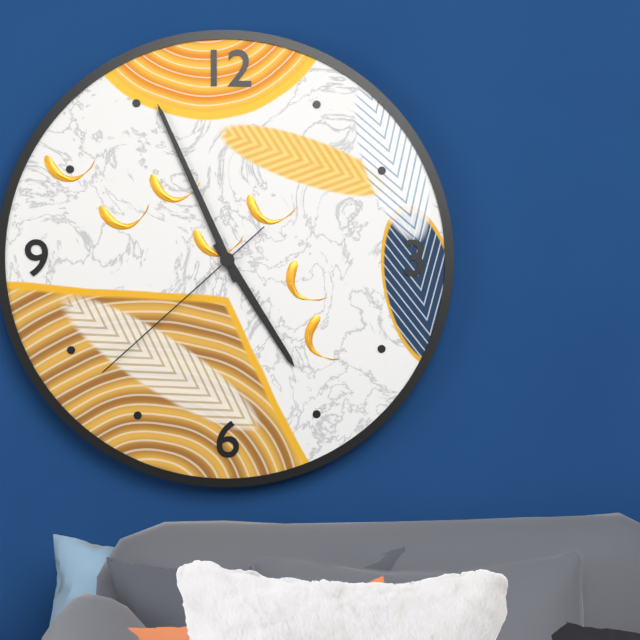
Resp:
h=4 m=56 s=38
